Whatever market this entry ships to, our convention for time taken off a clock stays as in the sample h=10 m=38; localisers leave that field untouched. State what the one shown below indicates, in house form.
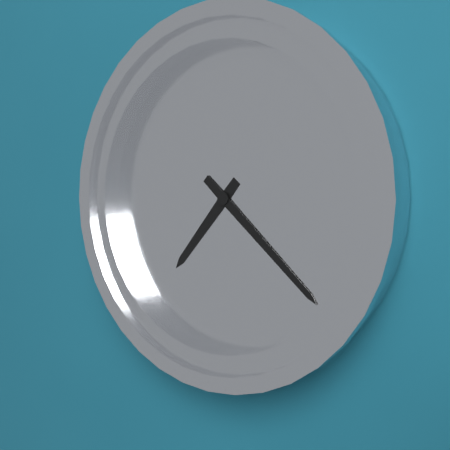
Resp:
h=7 m=22
